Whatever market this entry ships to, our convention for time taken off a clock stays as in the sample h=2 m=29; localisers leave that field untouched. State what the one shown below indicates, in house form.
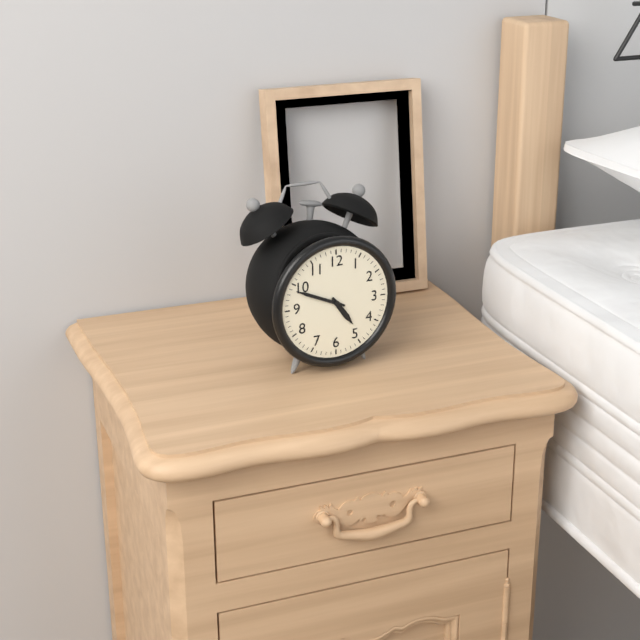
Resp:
h=4 m=49
